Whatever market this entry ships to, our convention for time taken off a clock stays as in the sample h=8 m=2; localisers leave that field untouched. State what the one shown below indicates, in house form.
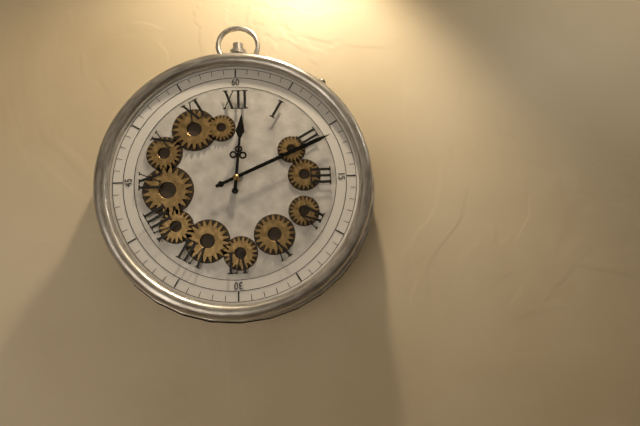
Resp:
h=12 m=11
